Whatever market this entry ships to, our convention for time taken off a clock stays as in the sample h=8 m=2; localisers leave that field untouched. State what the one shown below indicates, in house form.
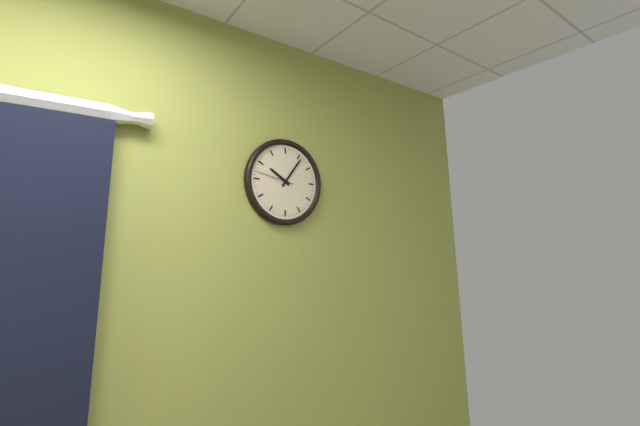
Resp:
h=10 m=6
